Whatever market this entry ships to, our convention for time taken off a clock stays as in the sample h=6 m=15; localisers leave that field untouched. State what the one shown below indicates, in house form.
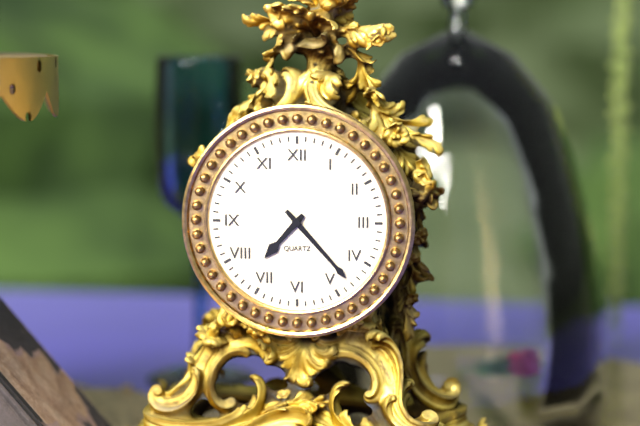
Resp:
h=7 m=23
